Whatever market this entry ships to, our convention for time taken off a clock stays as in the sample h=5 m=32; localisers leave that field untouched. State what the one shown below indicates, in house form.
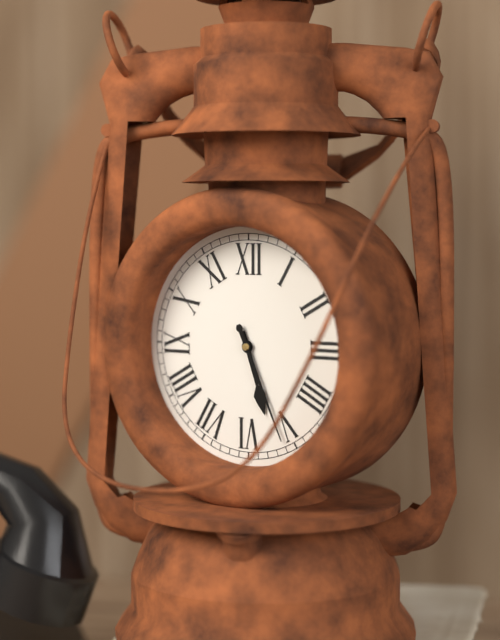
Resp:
h=5 m=26
